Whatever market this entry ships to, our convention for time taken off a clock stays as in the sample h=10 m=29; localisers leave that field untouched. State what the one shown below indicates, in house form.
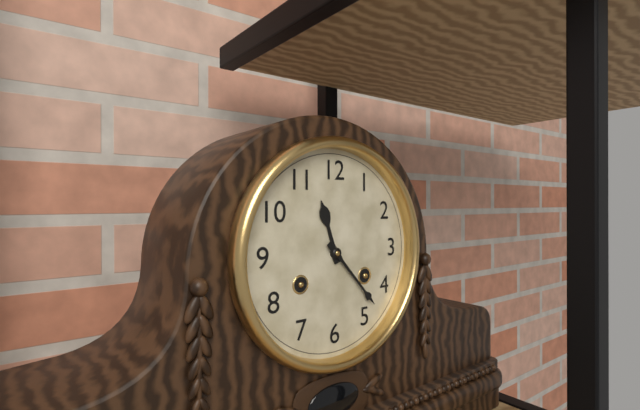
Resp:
h=11 m=23
